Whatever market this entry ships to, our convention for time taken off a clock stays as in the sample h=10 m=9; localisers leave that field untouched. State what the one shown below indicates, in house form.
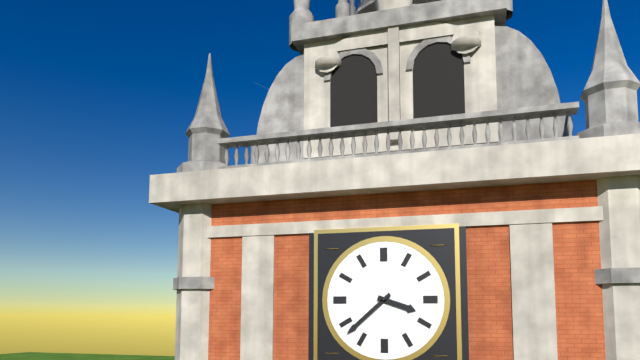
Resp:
h=3 m=38
